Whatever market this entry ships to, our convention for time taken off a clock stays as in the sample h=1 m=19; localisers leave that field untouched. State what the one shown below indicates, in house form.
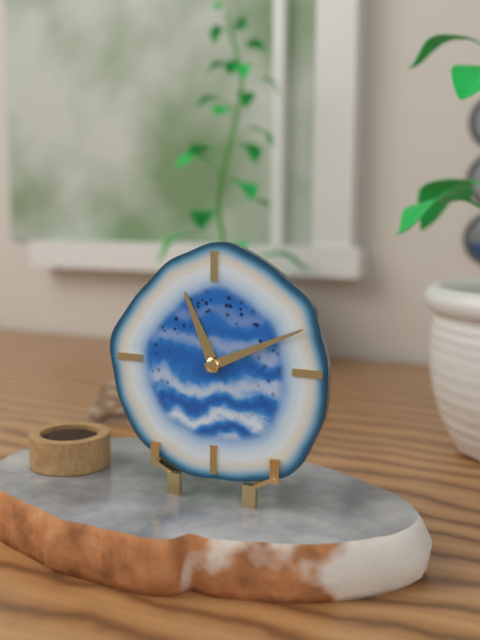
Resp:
h=11 m=11
